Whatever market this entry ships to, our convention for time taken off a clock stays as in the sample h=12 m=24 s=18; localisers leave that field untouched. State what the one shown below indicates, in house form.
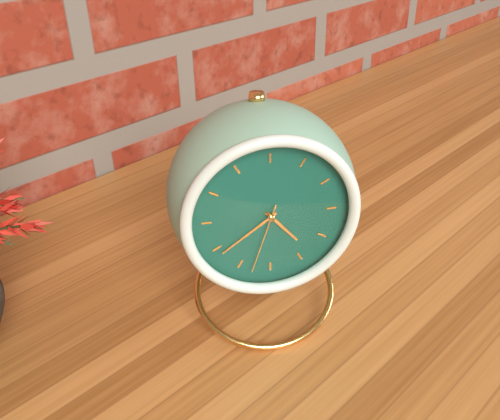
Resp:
h=4 m=39 s=33
